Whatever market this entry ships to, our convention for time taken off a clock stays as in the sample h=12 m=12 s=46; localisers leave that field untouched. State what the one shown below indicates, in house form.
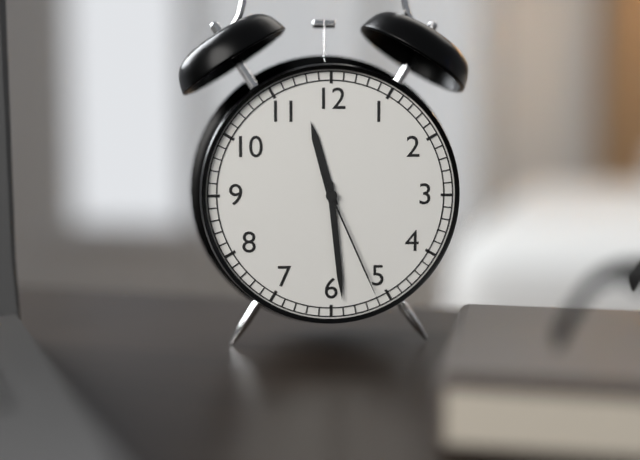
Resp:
h=11 m=29 s=26
